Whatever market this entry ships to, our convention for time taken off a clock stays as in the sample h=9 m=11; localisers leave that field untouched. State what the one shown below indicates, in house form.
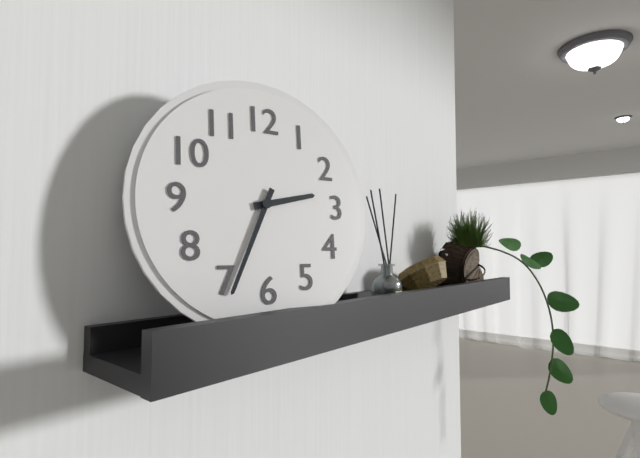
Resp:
h=2 m=34
